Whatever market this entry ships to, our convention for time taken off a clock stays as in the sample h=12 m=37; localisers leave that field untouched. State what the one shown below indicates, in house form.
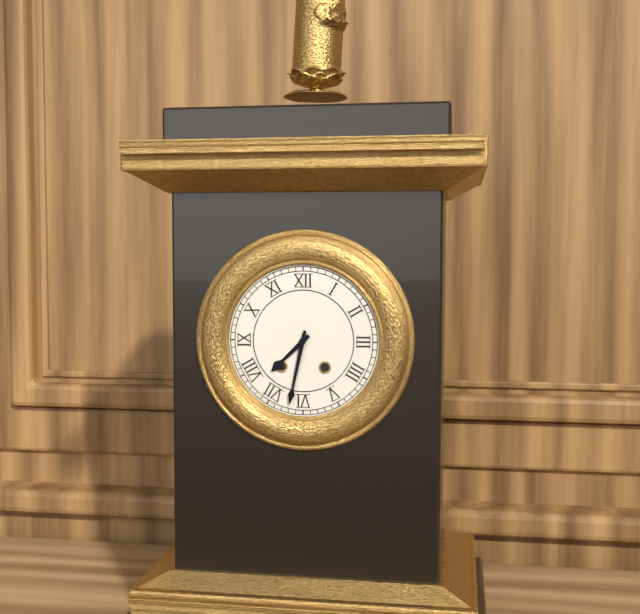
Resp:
h=7 m=32
